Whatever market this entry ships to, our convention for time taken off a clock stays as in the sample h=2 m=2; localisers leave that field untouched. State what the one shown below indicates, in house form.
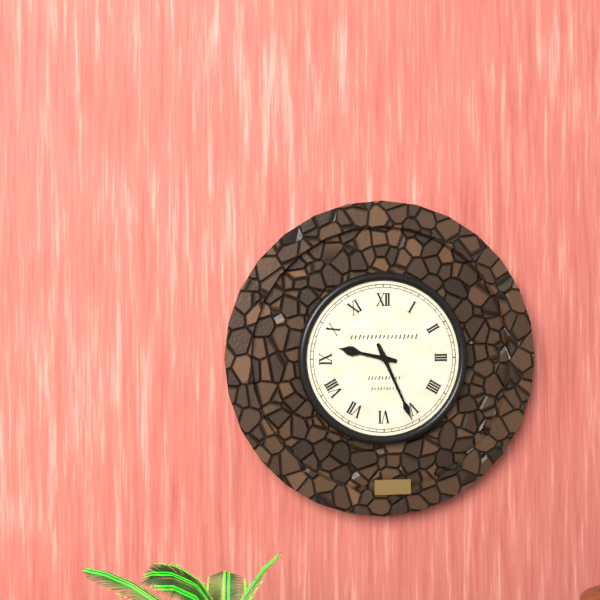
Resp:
h=9 m=26
